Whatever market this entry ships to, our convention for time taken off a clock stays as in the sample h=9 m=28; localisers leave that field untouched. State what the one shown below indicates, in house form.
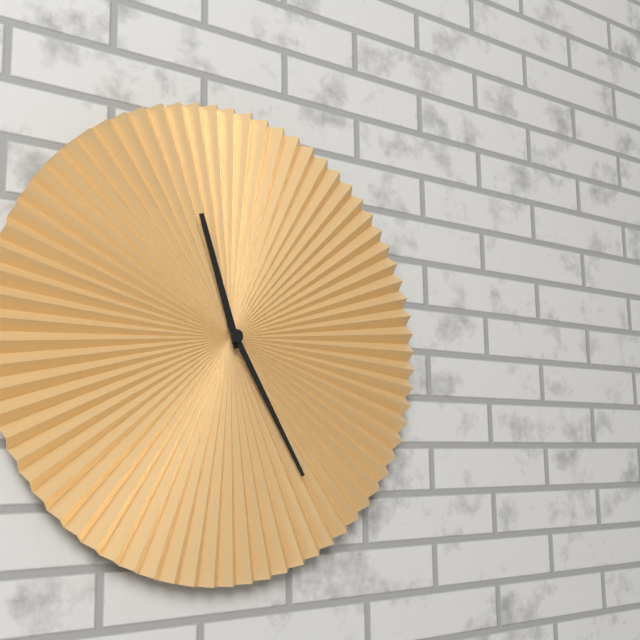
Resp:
h=11 m=25
